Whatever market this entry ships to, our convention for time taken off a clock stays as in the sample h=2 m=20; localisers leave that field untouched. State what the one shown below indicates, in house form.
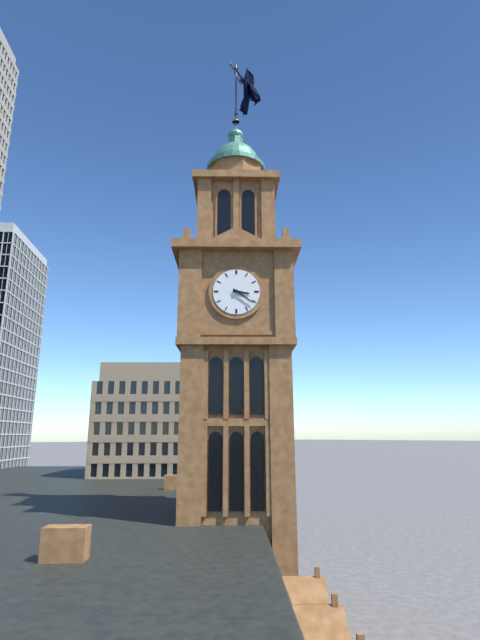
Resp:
h=3 m=21
